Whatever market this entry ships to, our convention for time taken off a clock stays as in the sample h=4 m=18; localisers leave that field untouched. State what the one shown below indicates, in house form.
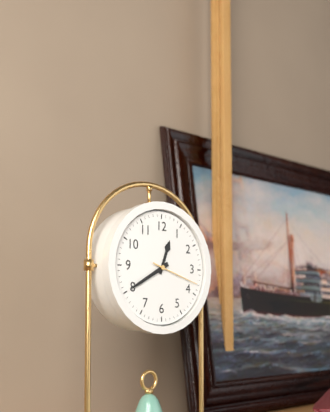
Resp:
h=12 m=40
